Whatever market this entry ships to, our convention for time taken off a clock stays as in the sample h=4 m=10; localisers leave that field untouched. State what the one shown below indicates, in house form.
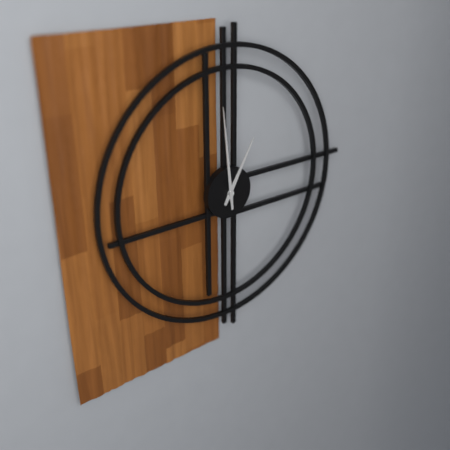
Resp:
h=12 m=59
